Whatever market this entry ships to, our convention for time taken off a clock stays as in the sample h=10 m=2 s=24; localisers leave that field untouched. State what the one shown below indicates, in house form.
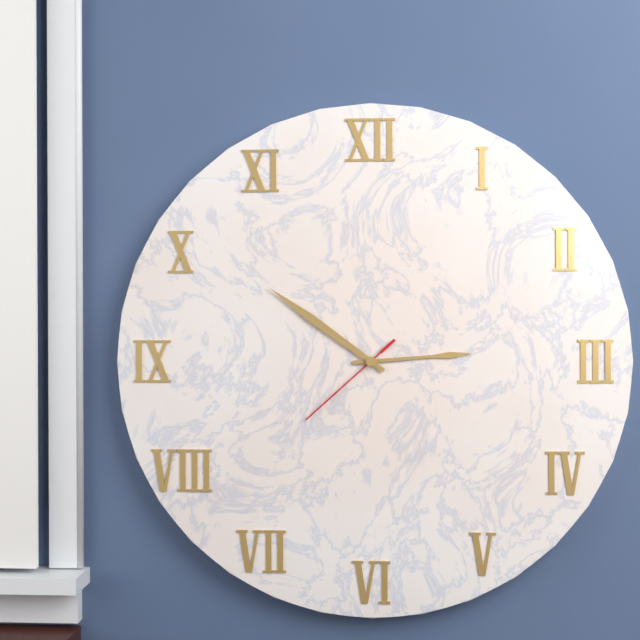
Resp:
h=2 m=51 s=38
